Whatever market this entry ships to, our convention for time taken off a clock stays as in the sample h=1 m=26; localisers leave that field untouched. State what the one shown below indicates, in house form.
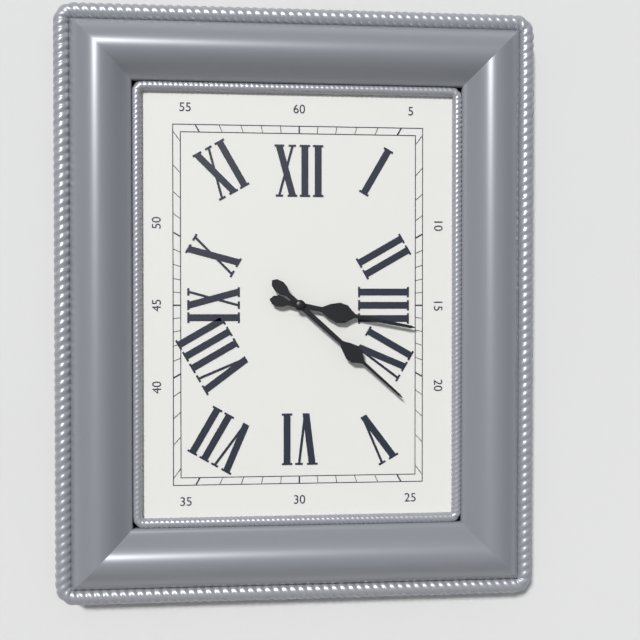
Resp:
h=3 m=22
